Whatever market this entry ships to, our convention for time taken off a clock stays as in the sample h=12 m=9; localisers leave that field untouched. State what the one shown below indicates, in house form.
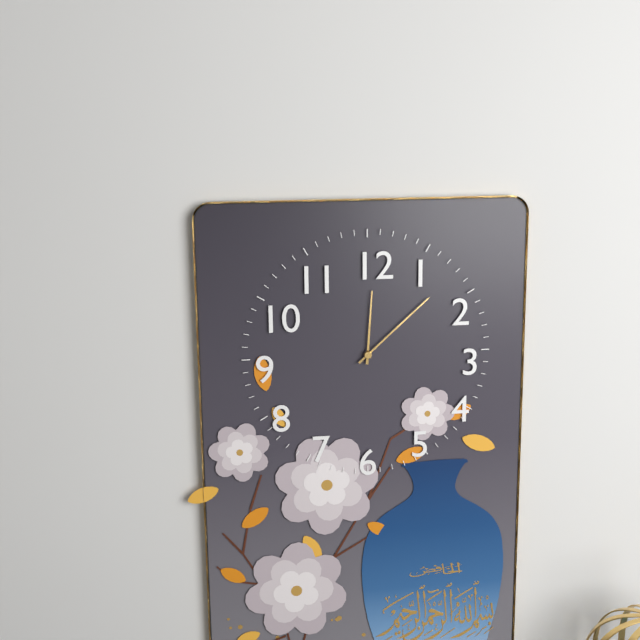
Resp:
h=12 m=8
